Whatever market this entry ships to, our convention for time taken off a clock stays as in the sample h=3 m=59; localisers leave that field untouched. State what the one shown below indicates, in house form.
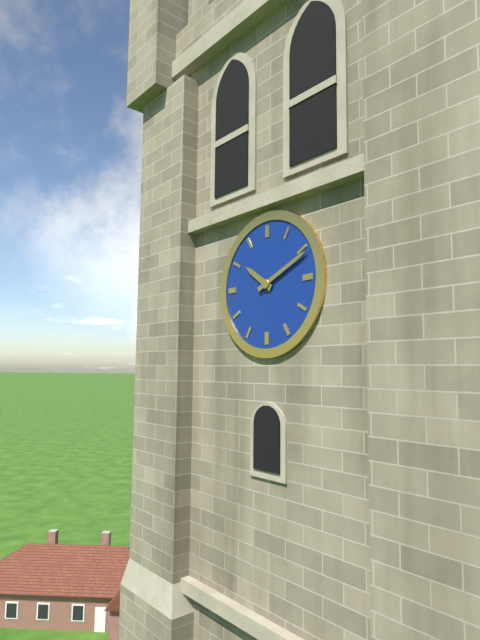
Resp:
h=10 m=11
